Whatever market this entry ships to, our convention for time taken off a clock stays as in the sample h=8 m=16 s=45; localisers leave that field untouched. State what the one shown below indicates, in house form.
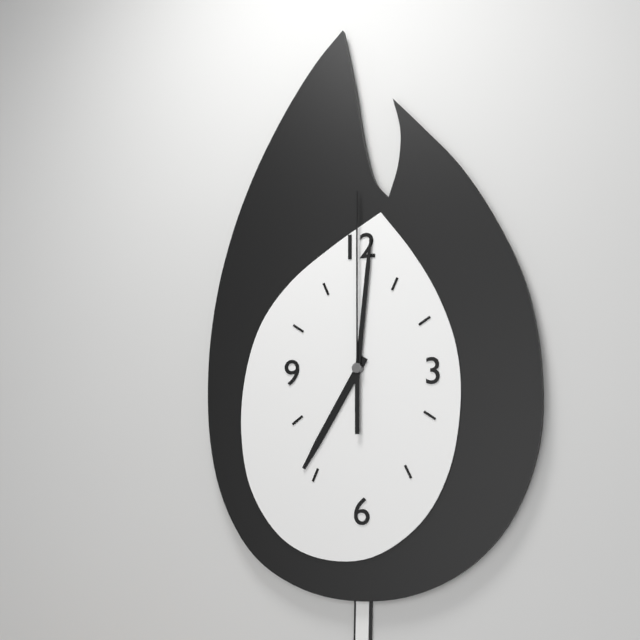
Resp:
h=7 m=1 s=0
